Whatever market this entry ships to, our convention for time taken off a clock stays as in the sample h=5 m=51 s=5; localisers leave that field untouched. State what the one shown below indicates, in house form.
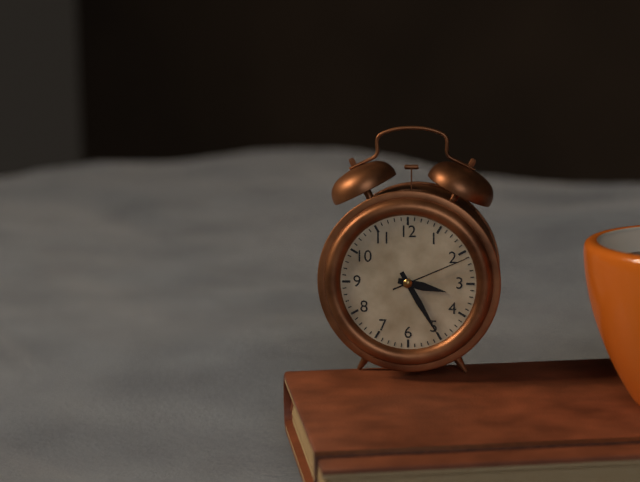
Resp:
h=3 m=25 s=11
